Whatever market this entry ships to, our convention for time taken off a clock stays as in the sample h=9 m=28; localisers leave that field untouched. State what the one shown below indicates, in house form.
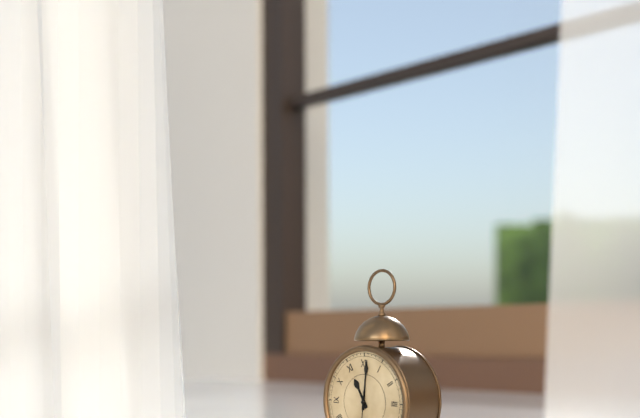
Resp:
h=11 m=1
